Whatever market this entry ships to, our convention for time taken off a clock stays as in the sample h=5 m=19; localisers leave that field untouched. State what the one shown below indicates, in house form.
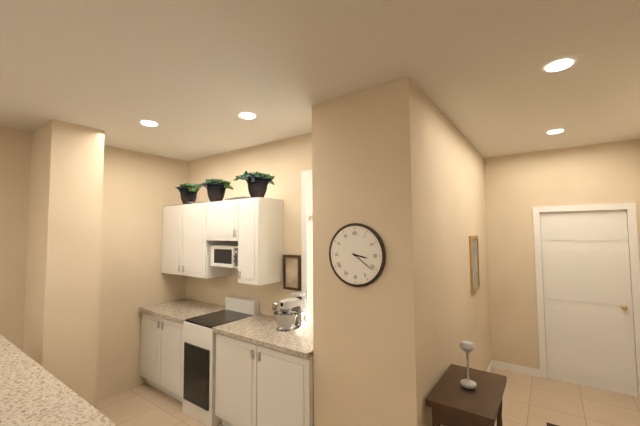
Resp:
h=3 m=21
